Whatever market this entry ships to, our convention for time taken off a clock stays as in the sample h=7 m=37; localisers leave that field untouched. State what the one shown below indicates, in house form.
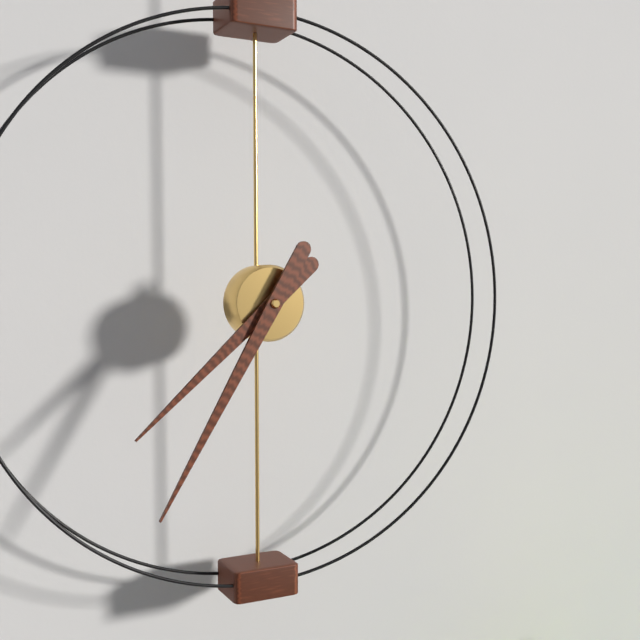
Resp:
h=7 m=35
